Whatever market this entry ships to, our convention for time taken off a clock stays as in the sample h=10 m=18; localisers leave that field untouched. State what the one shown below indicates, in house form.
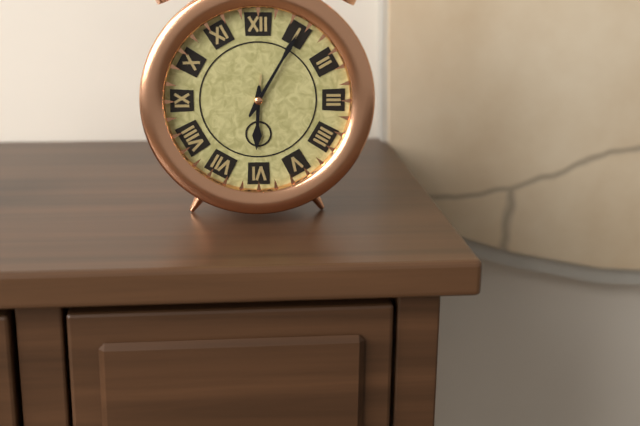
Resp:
h=6 m=5
